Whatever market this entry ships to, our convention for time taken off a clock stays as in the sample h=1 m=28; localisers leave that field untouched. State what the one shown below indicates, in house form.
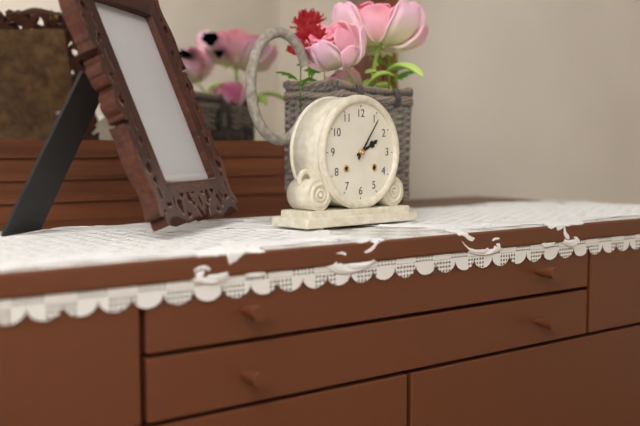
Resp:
h=2 m=6
